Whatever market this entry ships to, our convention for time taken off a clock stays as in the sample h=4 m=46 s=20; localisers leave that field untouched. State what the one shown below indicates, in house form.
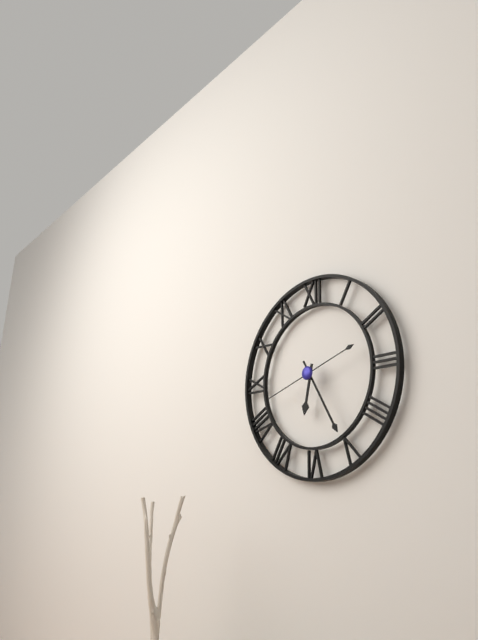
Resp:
h=6 m=25 s=42
